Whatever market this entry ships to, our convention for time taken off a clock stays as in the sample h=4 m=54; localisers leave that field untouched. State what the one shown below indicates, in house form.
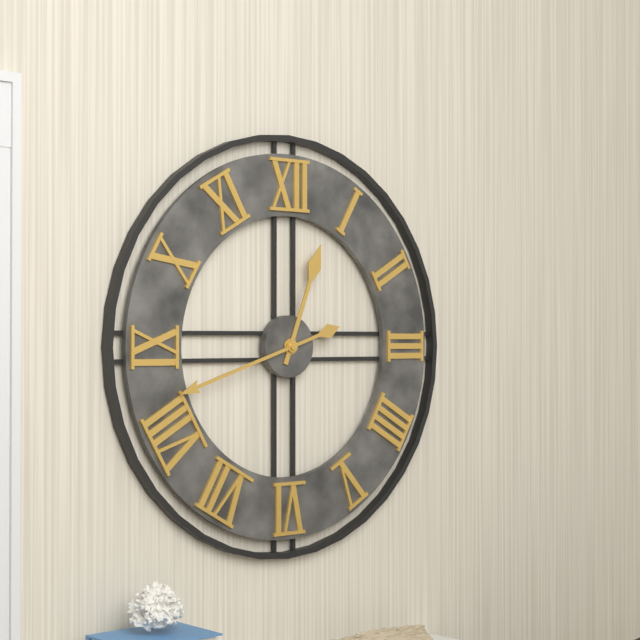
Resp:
h=12 m=42
